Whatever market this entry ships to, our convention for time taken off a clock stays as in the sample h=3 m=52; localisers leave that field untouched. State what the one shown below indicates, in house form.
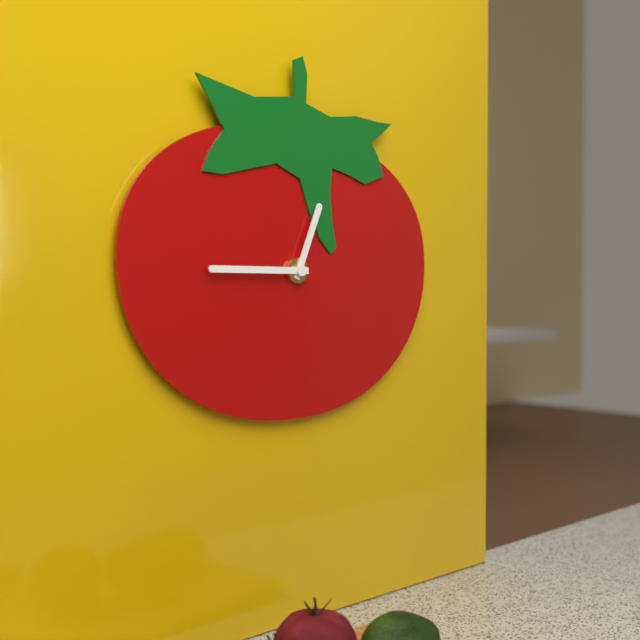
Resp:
h=12 m=45
